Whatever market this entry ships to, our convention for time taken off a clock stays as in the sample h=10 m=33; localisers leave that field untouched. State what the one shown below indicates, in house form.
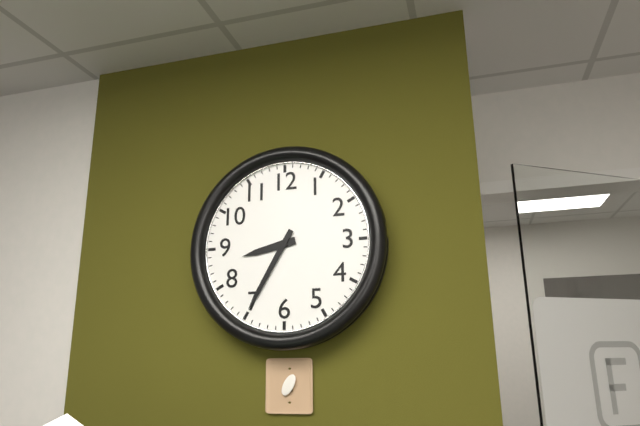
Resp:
h=8 m=35
